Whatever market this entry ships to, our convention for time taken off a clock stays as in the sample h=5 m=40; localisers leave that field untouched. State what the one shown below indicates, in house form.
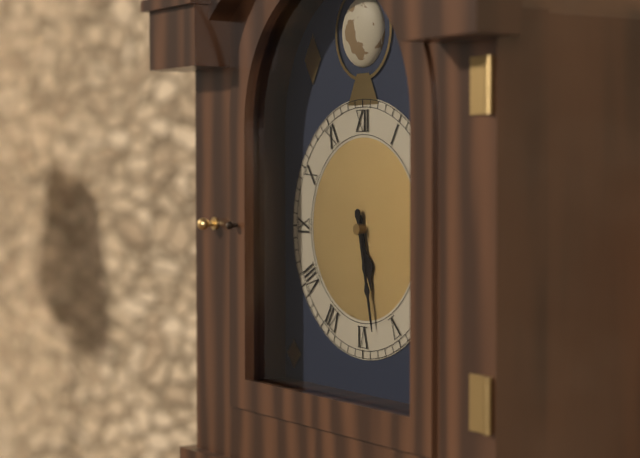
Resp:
h=5 m=28
